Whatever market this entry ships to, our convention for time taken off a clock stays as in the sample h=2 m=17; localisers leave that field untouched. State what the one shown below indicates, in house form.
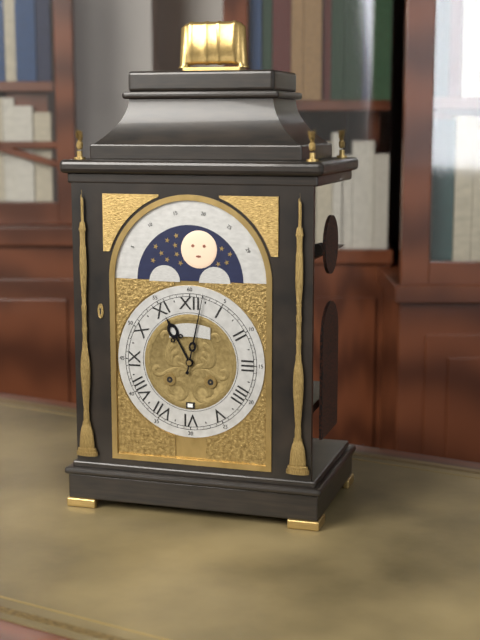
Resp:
h=11 m=2
